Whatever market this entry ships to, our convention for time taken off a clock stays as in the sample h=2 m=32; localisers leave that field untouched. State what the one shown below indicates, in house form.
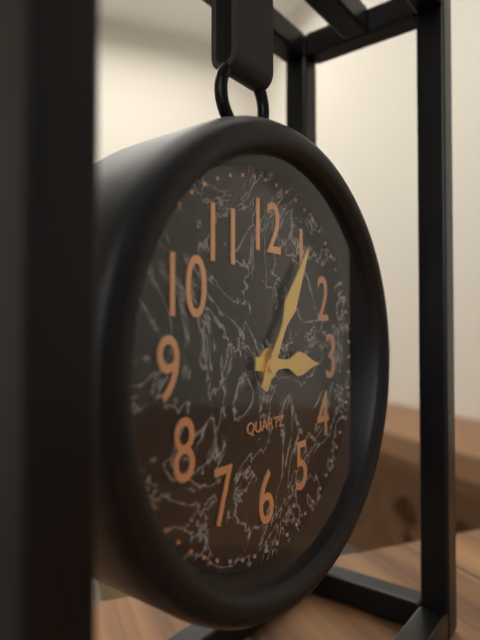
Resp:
h=3 m=5
